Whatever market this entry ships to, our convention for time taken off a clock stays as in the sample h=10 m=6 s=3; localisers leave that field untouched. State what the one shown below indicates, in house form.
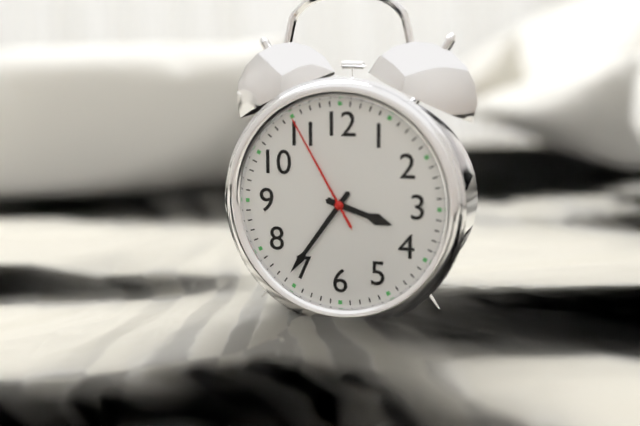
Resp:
h=3 m=36 s=55
